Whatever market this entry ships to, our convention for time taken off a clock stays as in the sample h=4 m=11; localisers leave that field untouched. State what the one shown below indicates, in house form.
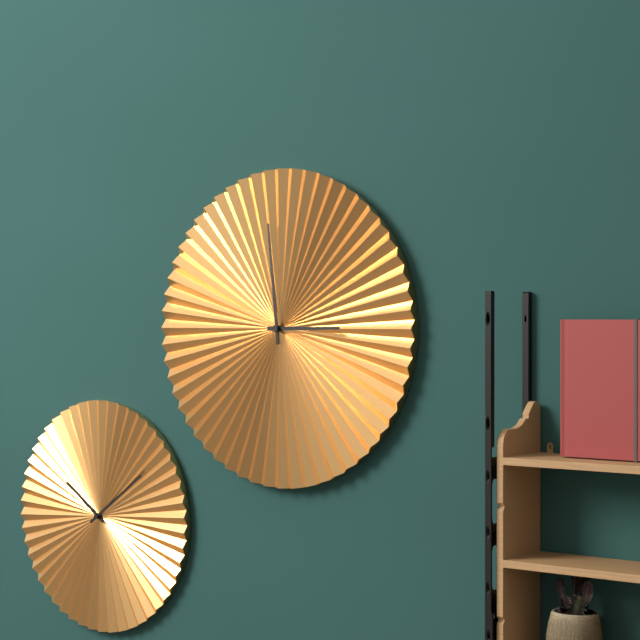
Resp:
h=2 m=59
